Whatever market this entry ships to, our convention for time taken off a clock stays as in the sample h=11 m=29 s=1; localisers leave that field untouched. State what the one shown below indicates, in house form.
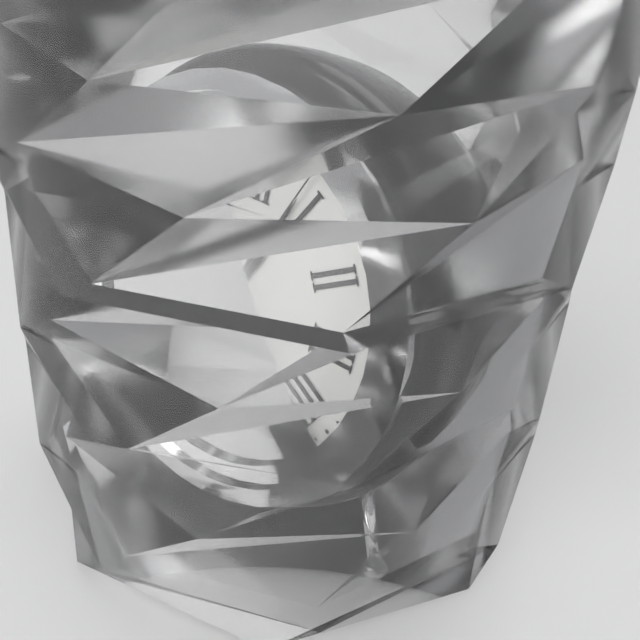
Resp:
h=12 m=48 s=4
